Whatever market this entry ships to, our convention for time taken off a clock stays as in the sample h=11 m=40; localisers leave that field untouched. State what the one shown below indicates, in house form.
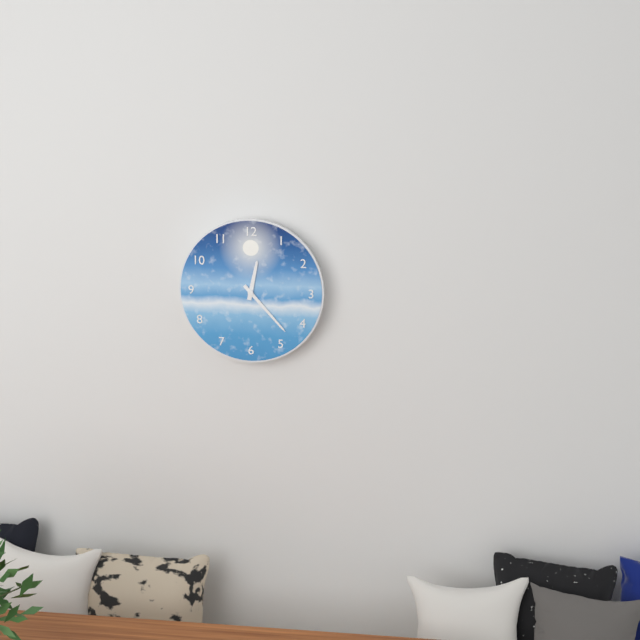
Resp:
h=12 m=23
